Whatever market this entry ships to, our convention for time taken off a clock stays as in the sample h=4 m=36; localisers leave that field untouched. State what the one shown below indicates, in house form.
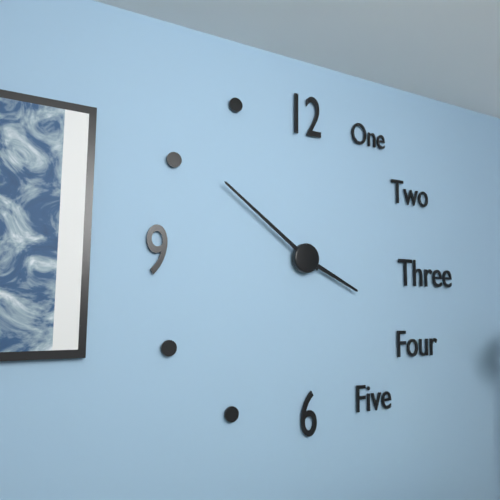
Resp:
h=3 m=51
